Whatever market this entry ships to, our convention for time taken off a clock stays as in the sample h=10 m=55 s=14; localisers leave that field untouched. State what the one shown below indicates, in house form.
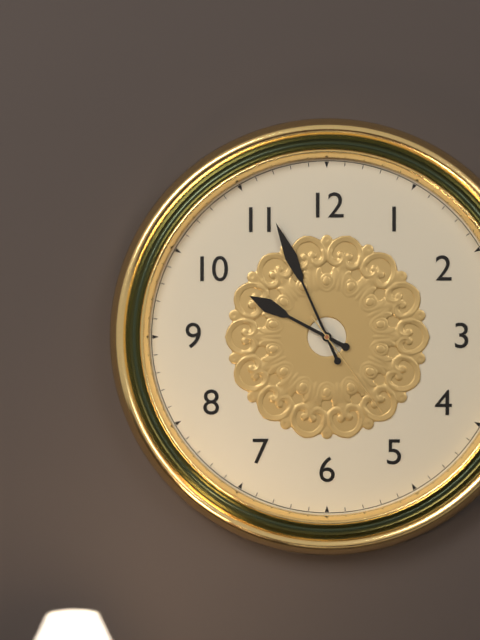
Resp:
h=9 m=56 s=24
